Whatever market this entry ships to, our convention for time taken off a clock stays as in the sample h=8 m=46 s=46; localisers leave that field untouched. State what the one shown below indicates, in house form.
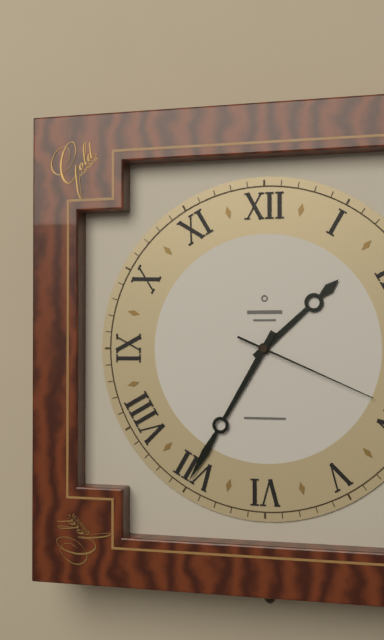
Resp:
h=1 m=35 s=19
